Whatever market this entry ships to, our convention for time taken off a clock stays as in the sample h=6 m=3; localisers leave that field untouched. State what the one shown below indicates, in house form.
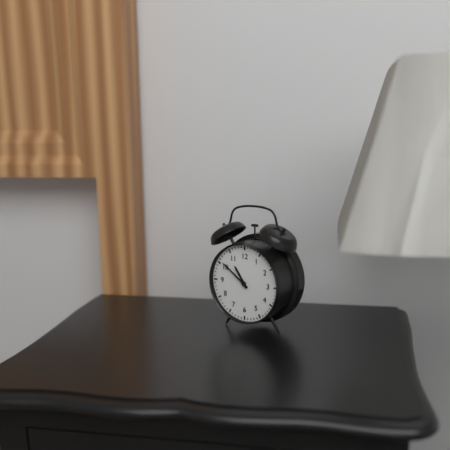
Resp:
h=10 m=51
